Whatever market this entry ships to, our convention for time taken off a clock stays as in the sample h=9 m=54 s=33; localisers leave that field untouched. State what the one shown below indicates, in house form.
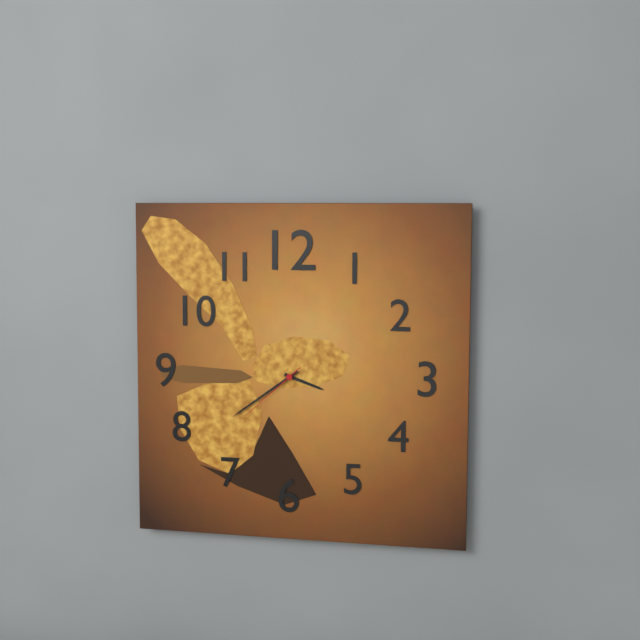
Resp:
h=3 m=39 s=38
